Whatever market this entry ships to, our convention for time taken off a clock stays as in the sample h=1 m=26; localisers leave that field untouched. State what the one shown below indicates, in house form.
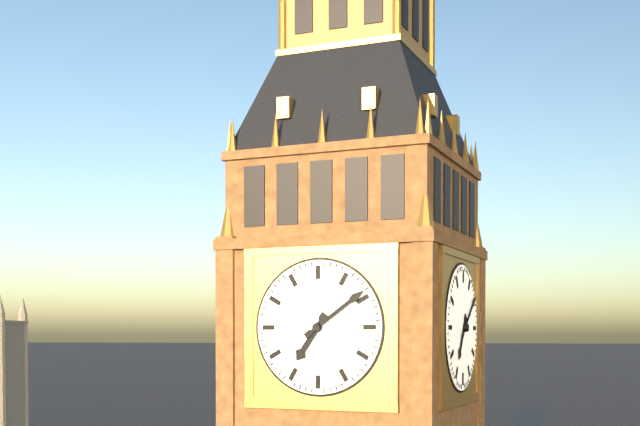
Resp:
h=7 m=9
